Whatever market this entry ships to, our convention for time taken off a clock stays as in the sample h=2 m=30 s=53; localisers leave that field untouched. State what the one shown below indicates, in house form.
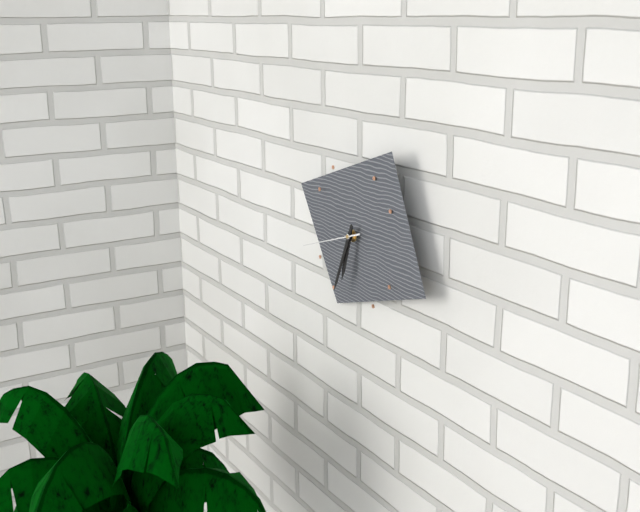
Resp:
h=6 m=34 s=42
